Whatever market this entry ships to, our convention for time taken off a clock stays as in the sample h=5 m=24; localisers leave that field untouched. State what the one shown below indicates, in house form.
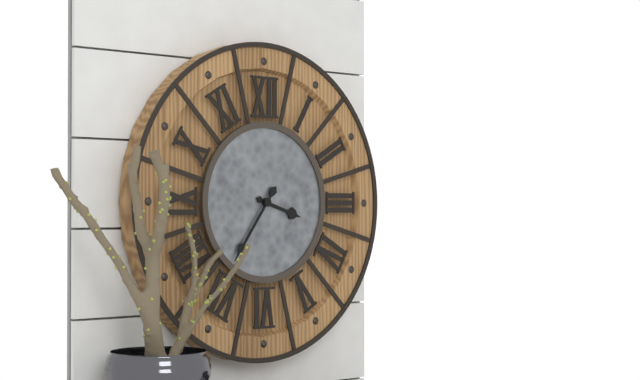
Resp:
h=3 m=36
